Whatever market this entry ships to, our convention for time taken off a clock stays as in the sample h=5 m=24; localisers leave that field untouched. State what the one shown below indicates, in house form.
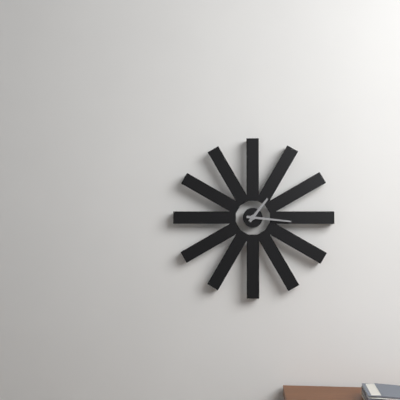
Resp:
h=1 m=16
